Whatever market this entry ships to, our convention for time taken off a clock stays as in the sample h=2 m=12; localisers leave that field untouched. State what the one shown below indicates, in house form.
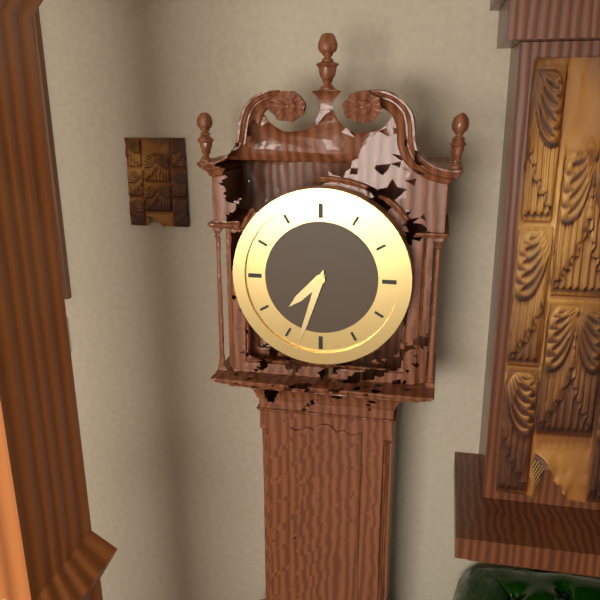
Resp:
h=7 m=33
